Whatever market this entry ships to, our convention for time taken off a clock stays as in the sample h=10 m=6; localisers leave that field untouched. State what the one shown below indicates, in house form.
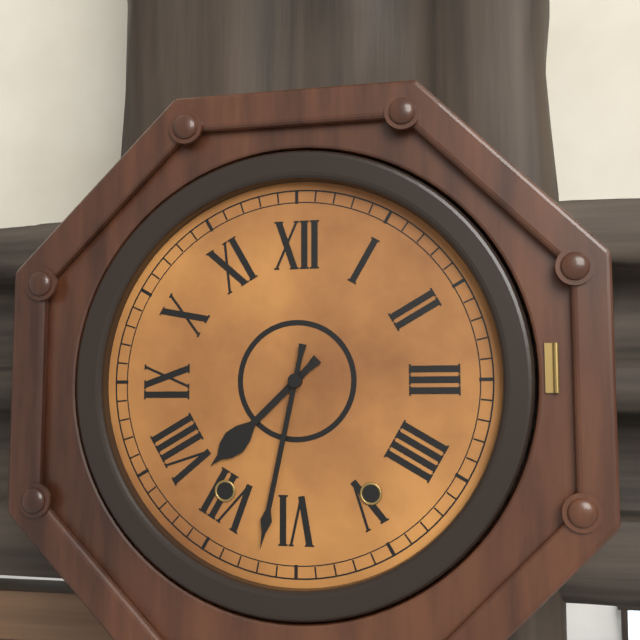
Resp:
h=7 m=32
